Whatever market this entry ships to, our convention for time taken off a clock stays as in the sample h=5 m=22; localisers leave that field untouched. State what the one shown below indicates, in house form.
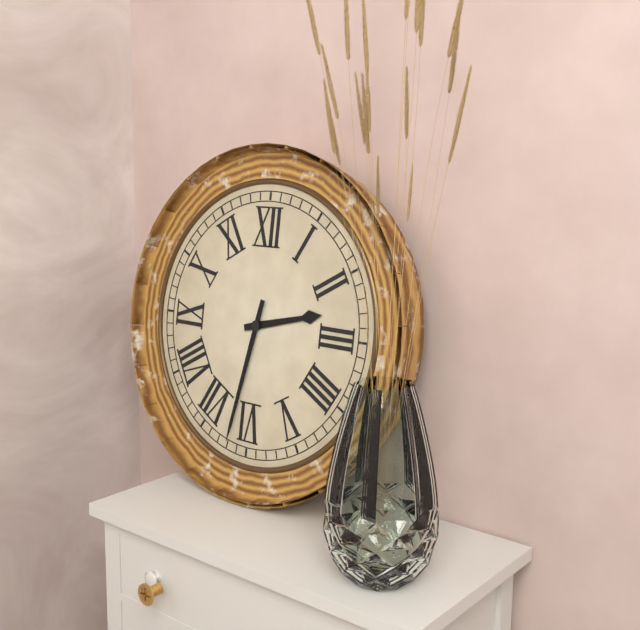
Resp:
h=2 m=32
